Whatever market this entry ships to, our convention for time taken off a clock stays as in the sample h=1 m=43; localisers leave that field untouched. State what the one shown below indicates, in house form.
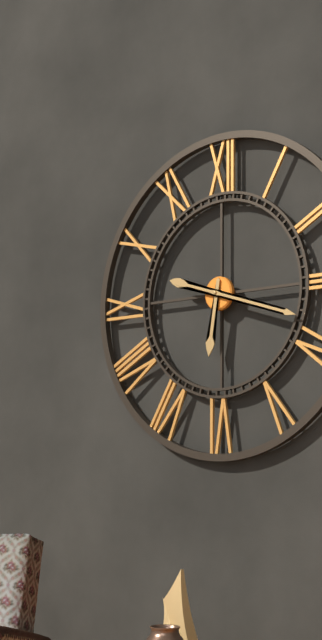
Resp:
h=6 m=18
